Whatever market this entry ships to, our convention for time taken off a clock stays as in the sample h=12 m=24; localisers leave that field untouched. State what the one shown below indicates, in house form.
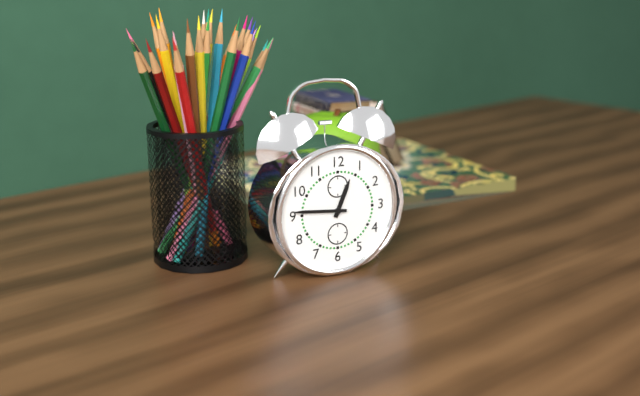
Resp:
h=12 m=46
